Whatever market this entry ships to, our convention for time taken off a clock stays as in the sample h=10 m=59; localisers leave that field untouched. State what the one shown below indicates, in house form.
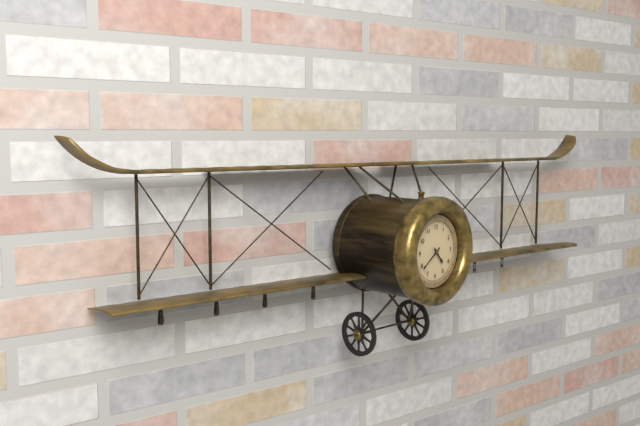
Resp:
h=4 m=39
